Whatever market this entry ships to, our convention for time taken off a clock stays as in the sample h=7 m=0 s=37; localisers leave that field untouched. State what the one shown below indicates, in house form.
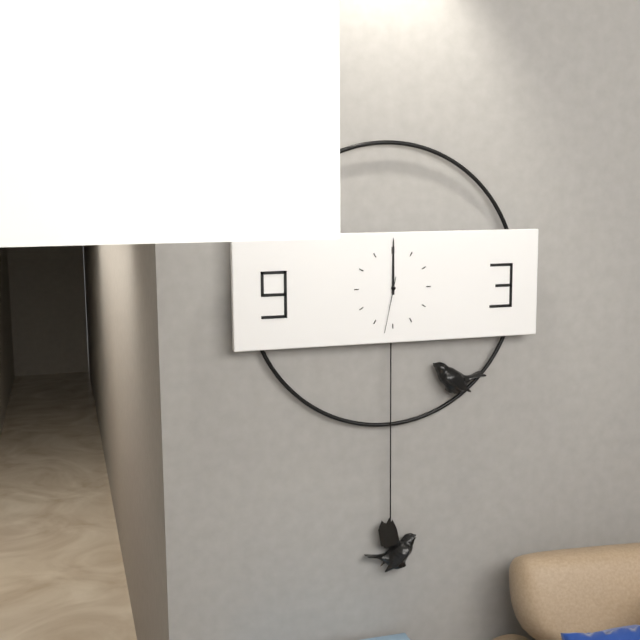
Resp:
h=12 m=0 s=32
